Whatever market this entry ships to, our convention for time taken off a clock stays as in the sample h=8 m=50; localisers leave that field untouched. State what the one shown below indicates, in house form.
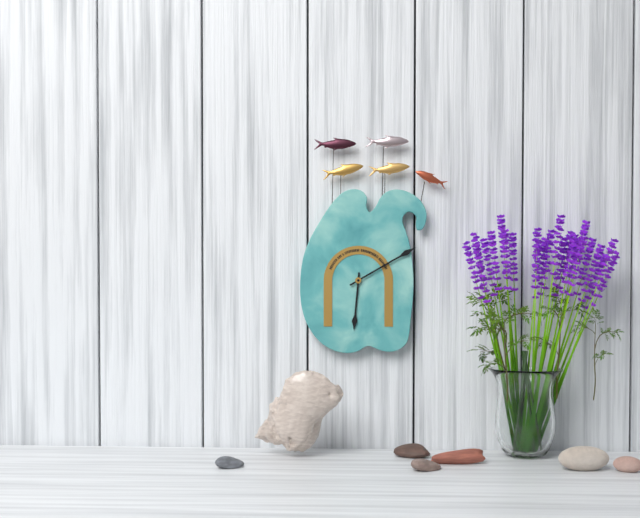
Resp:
h=6 m=10
